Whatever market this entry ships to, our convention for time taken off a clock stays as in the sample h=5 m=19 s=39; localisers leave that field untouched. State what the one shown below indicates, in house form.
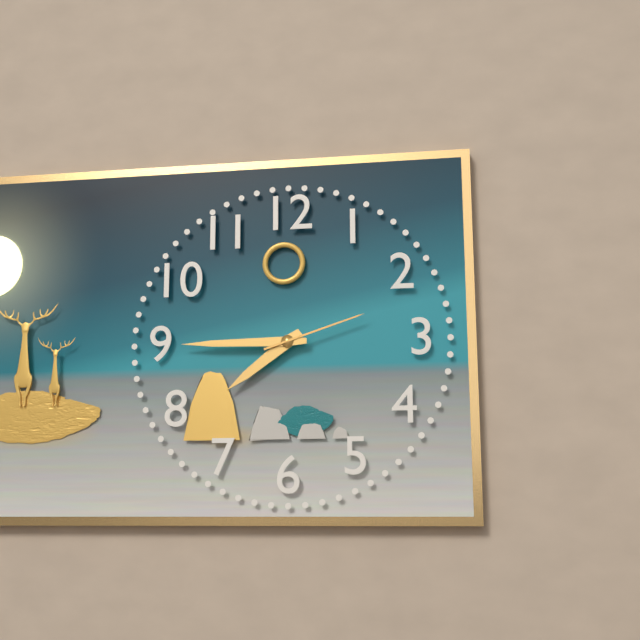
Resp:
h=7 m=45 s=12
